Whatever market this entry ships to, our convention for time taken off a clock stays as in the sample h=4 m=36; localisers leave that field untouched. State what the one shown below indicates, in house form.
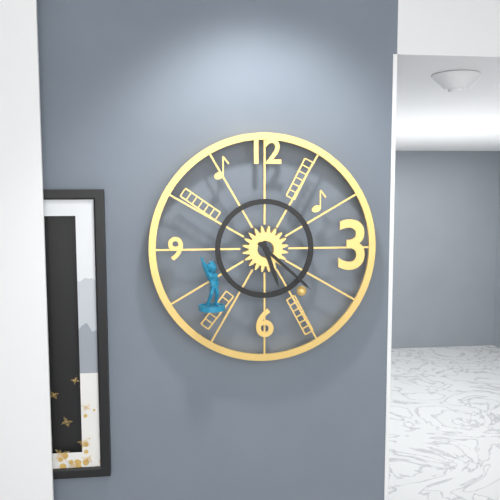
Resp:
h=5 m=22
